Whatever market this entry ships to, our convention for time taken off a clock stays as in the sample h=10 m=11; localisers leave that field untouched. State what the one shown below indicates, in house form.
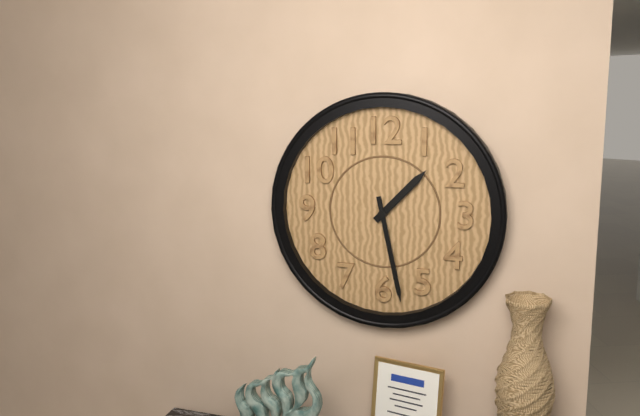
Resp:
h=1 m=28
